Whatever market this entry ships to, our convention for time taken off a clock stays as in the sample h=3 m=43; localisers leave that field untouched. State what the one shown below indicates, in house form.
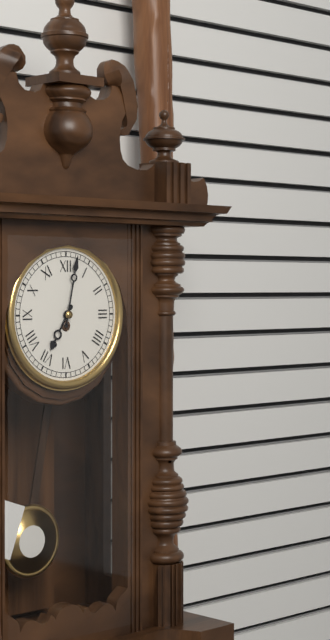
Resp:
h=7 m=2
